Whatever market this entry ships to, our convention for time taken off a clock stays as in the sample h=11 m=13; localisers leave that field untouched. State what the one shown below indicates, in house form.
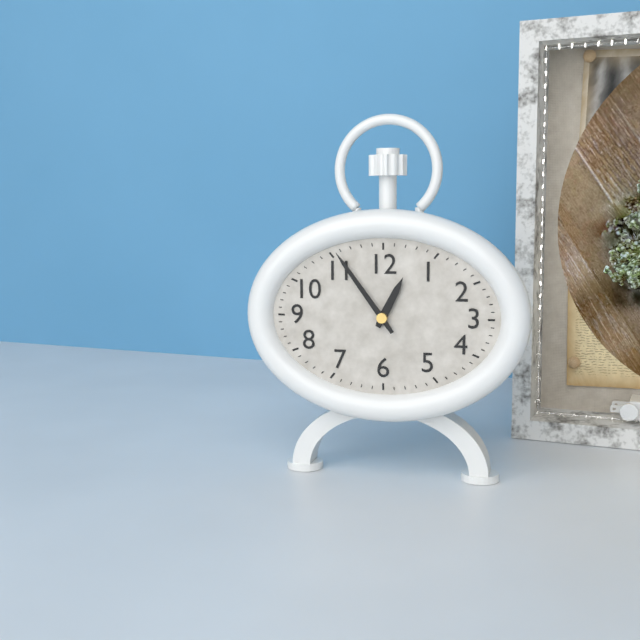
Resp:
h=12 m=54
